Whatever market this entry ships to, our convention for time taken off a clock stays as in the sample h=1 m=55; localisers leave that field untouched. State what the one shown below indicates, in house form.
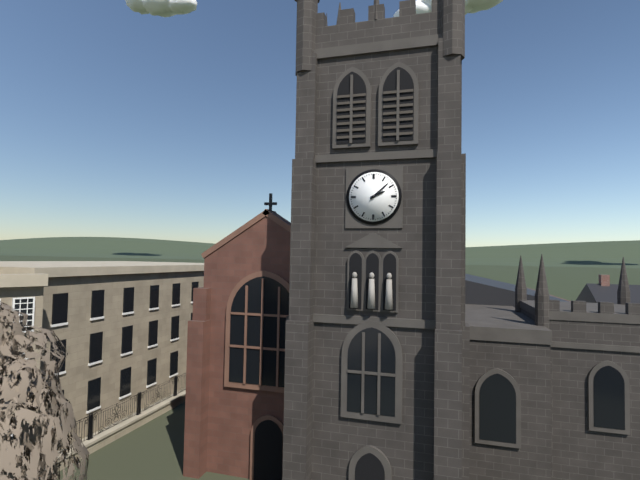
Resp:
h=2 m=8
